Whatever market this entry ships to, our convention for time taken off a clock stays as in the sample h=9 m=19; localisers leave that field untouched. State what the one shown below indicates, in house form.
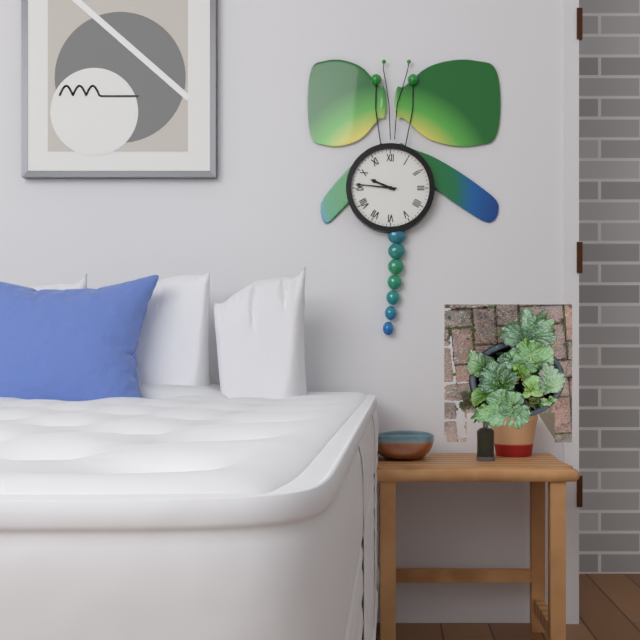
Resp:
h=9 m=46
